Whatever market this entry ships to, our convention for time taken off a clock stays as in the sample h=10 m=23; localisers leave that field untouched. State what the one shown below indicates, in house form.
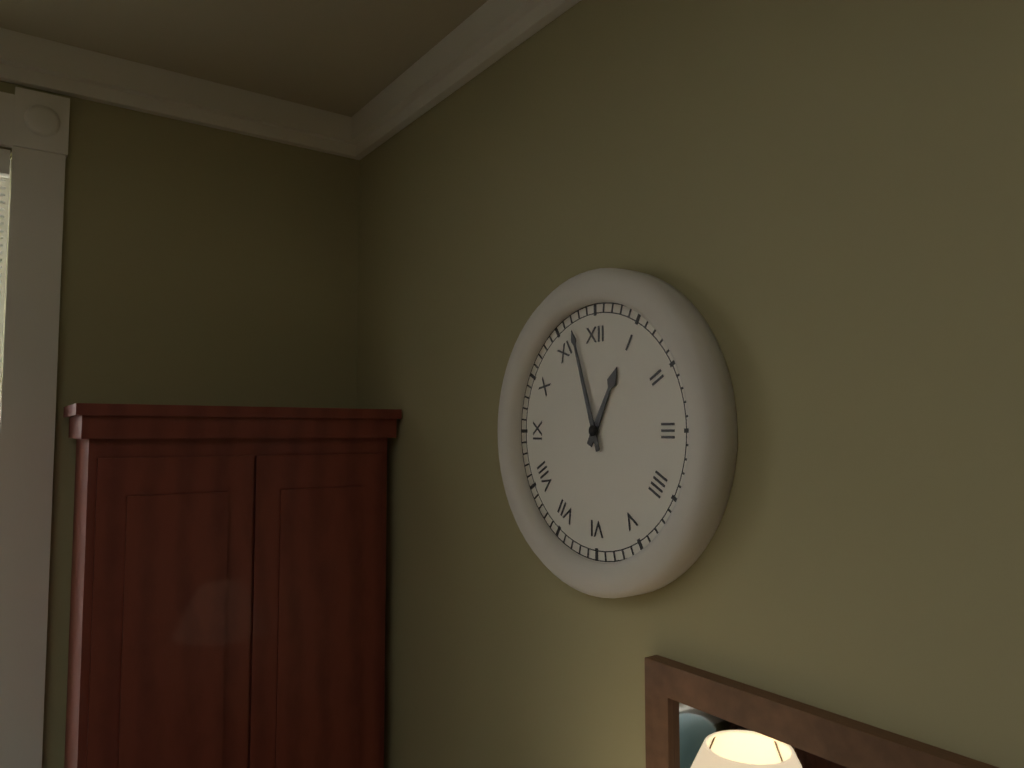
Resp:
h=12 m=57
